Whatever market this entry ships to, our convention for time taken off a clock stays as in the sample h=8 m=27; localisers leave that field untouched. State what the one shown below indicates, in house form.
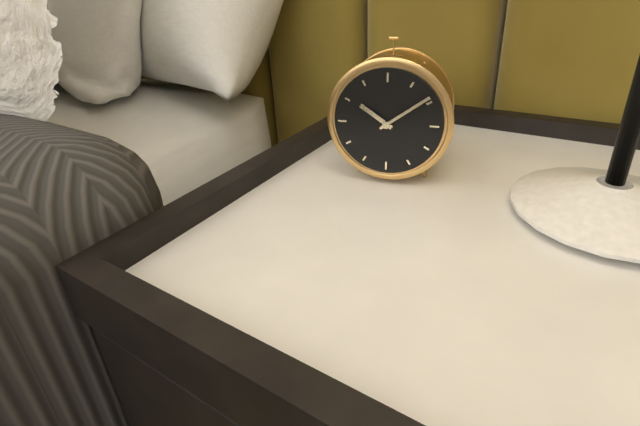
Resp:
h=10 m=9
